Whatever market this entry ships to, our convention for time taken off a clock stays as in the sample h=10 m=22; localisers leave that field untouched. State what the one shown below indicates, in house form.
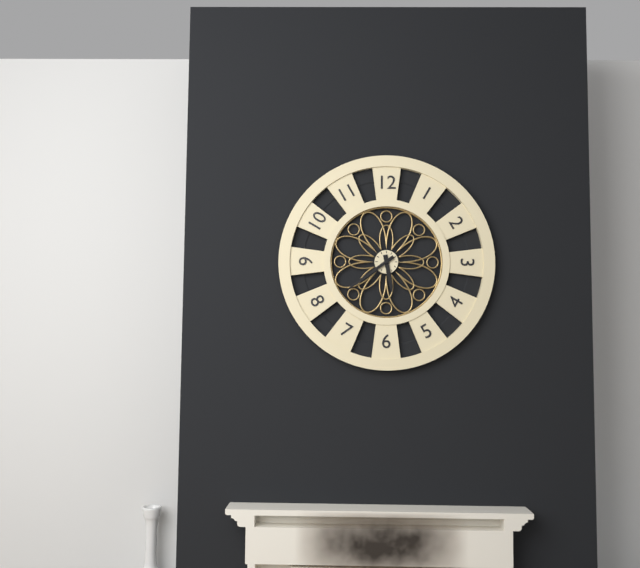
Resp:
h=5 m=39
